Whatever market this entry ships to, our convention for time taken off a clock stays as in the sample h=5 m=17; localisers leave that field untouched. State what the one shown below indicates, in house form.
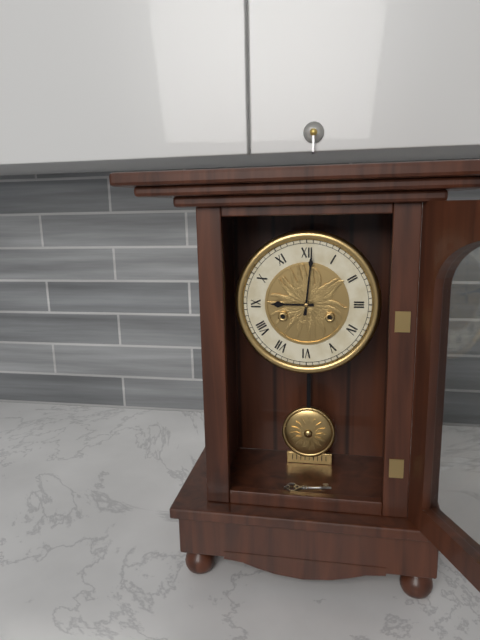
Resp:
h=9 m=1
